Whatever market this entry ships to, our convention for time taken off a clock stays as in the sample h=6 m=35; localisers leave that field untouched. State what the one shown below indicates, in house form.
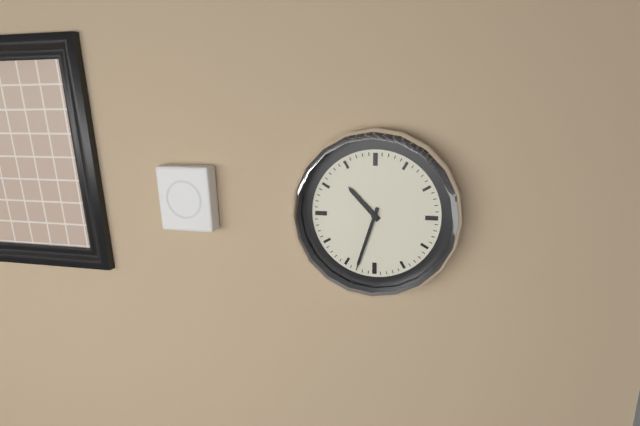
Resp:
h=10 m=33
